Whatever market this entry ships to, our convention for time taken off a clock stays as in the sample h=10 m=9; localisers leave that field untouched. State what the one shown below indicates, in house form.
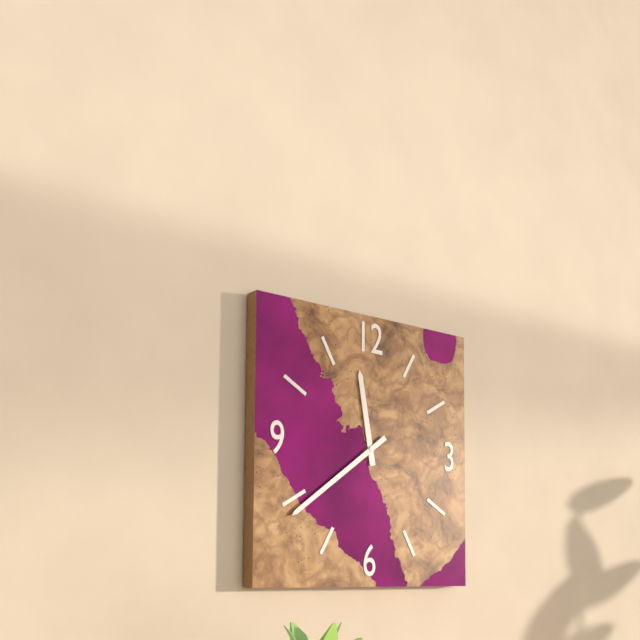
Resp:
h=11 m=39
